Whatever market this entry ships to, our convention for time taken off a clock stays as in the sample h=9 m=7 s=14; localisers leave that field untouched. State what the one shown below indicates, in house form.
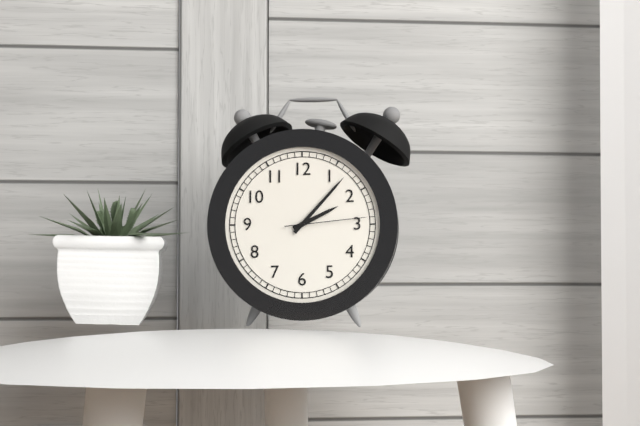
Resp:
h=2 m=7 s=14
